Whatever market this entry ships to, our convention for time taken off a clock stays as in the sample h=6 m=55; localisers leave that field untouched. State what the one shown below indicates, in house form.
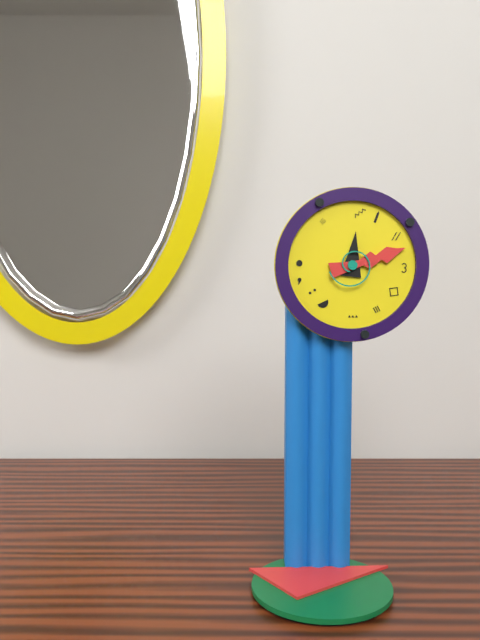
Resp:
h=12 m=12
